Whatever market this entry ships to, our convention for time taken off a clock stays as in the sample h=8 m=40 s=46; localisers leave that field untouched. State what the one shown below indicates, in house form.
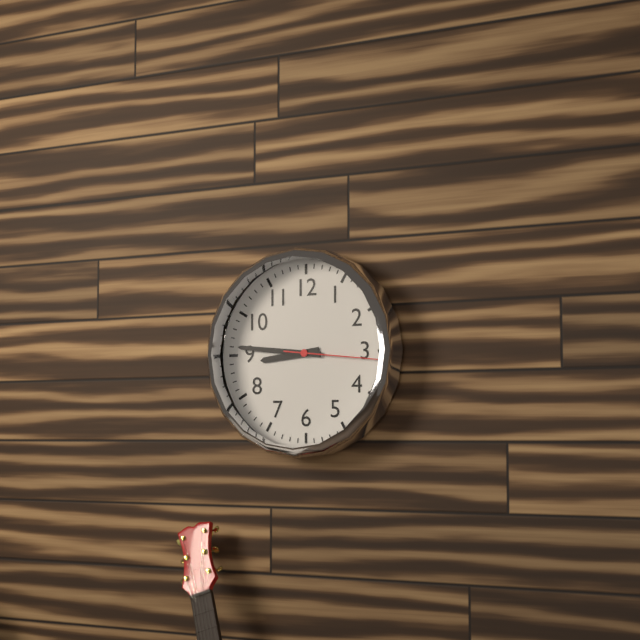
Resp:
h=8 m=46 s=16
